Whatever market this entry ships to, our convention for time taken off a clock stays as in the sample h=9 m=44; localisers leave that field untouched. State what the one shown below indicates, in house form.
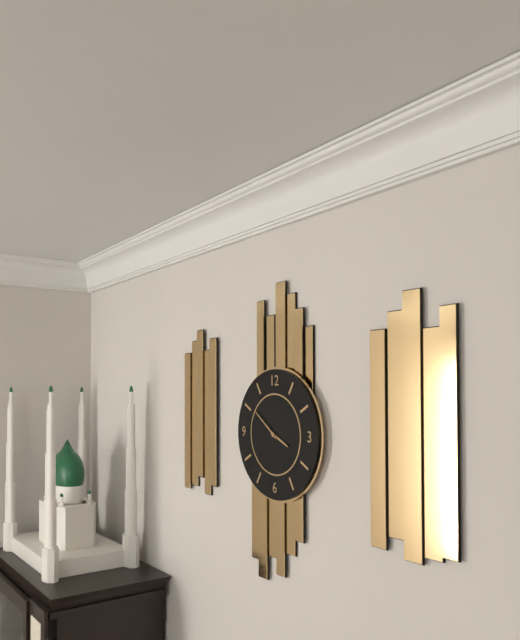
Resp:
h=3 m=51
